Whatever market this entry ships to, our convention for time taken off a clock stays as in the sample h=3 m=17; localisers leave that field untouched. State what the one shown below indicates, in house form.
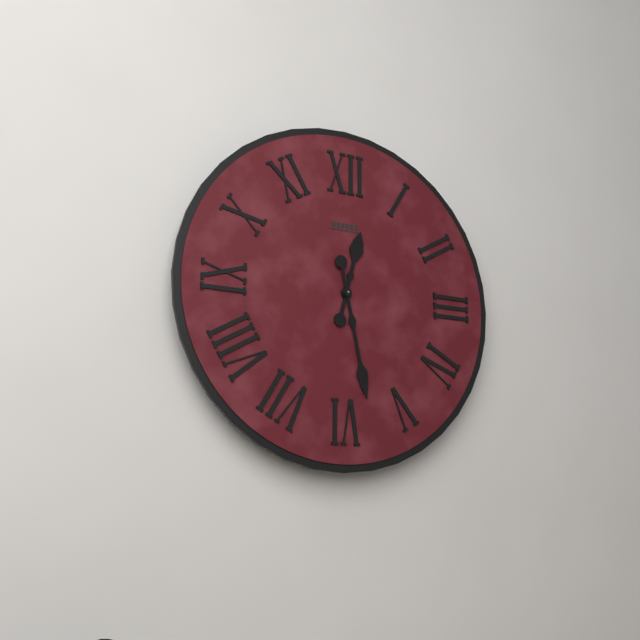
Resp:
h=12 m=28
